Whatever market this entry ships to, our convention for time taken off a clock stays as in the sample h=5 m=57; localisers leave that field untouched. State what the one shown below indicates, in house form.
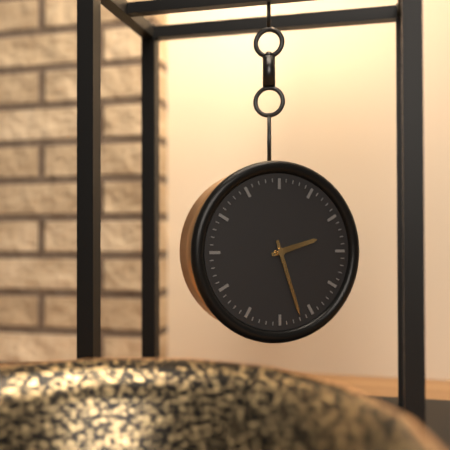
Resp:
h=2 m=27
